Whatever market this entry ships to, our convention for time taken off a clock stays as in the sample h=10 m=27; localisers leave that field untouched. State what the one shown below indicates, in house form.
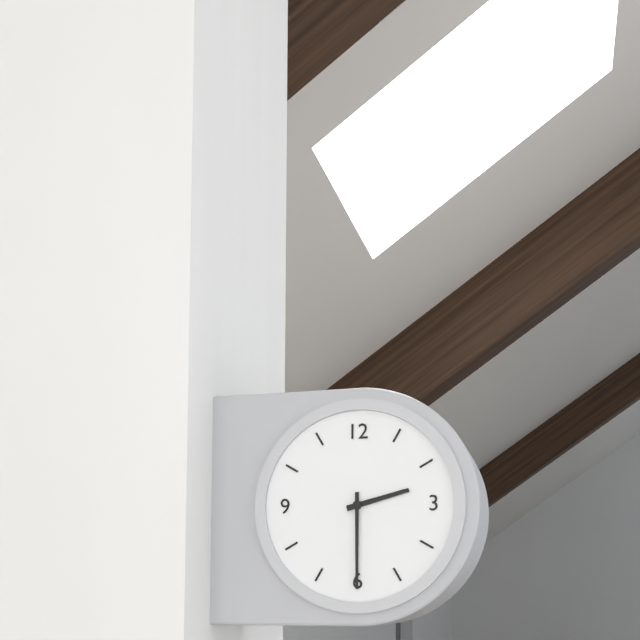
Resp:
h=2 m=30
